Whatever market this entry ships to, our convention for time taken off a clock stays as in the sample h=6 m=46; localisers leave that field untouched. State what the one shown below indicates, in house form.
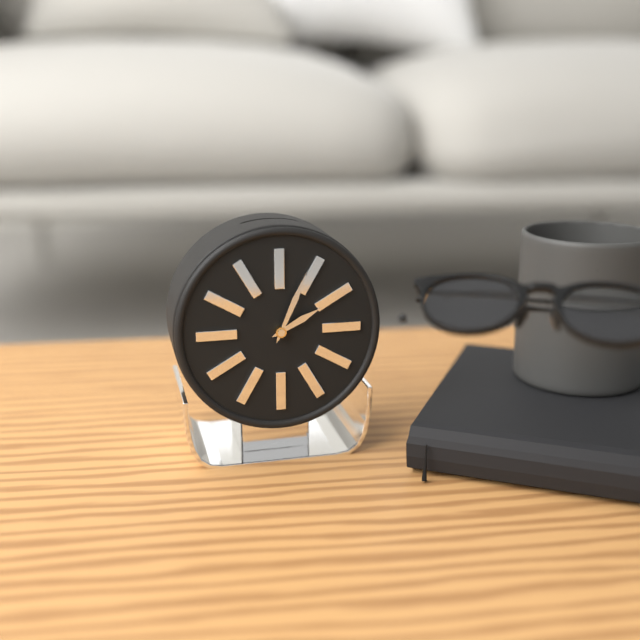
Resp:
h=2 m=4
